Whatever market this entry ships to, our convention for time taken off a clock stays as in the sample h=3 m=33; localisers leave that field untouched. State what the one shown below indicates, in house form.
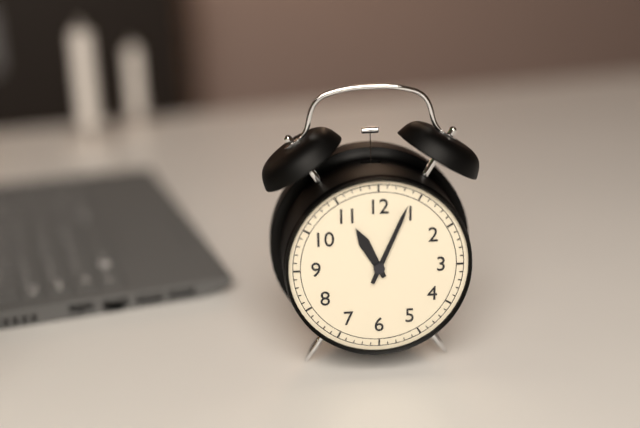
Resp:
h=11 m=4
